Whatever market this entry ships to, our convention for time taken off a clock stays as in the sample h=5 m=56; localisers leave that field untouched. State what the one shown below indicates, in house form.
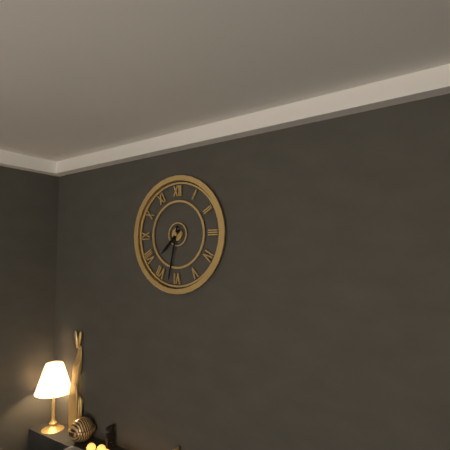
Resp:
h=7 m=32
